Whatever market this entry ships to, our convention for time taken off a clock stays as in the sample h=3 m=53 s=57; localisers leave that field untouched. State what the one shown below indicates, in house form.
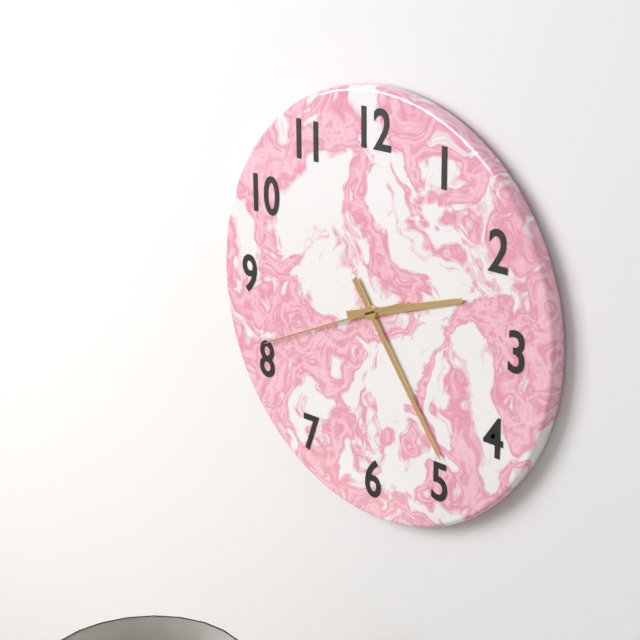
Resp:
h=2 m=24 s=41
